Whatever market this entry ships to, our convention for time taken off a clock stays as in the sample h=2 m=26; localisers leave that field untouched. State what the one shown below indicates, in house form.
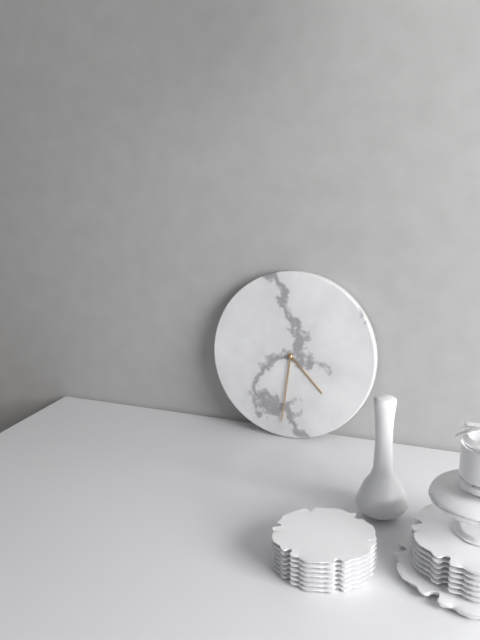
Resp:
h=4 m=31
